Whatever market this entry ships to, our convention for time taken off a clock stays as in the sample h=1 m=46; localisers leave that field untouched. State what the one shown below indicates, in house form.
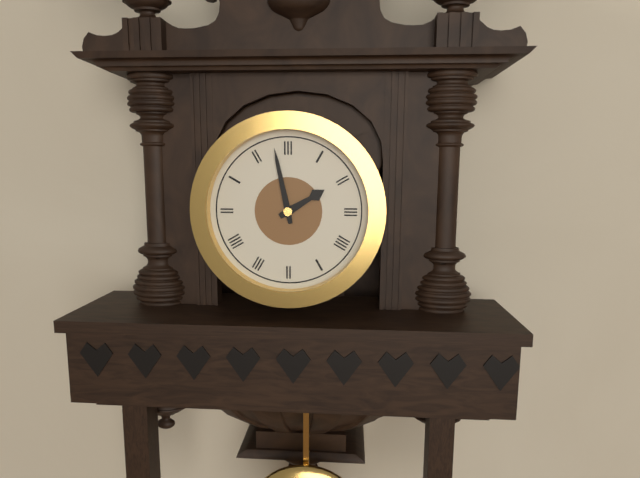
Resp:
h=1 m=58
